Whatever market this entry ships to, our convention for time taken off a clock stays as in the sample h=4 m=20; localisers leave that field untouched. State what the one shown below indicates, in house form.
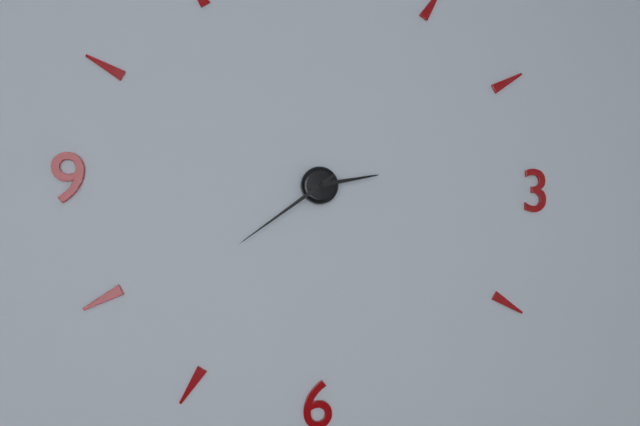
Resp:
h=2 m=39
